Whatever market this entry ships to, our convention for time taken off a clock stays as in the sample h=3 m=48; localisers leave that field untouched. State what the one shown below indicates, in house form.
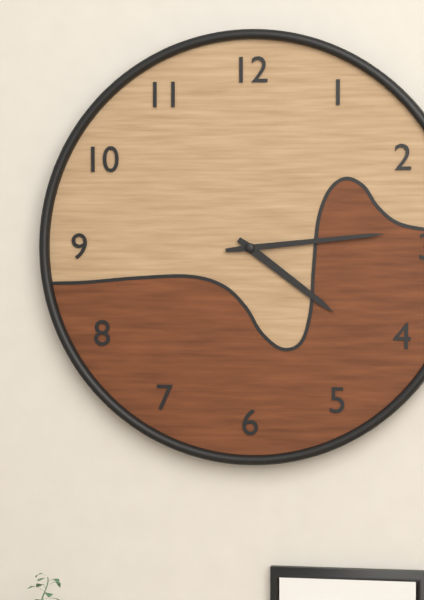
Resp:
h=4 m=14
